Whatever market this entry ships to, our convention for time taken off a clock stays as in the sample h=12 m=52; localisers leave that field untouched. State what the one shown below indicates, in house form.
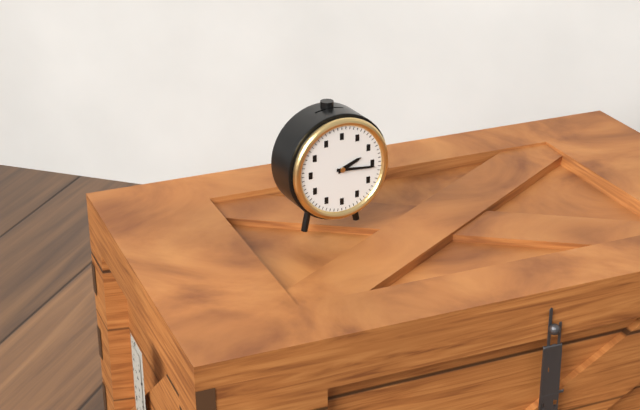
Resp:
h=2 m=16
